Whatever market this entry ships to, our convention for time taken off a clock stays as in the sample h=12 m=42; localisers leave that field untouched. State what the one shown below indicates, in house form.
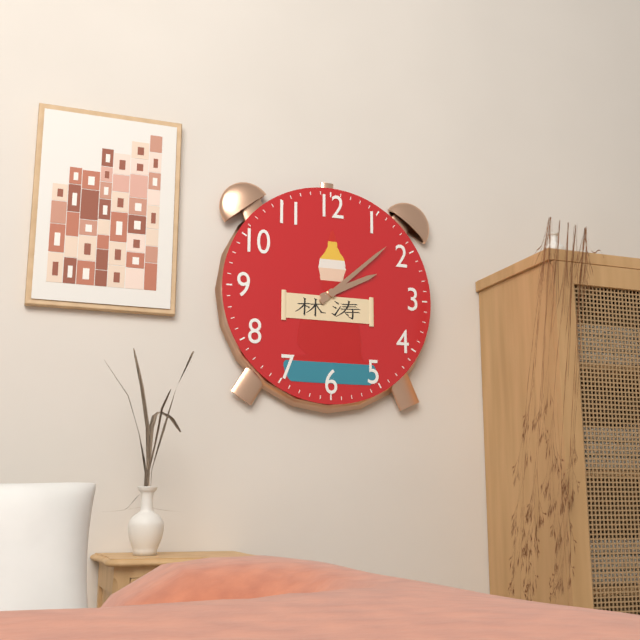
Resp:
h=2 m=8
